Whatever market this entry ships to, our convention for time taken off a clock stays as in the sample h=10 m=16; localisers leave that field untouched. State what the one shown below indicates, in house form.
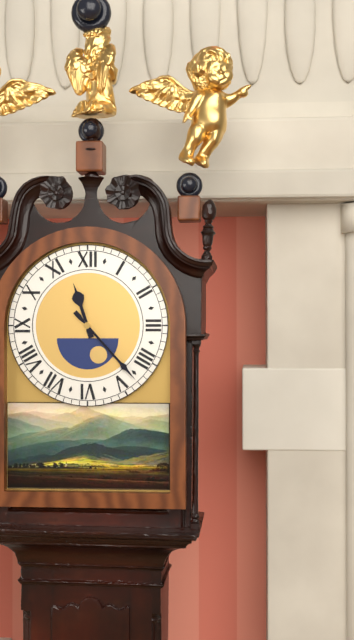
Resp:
h=11 m=23
